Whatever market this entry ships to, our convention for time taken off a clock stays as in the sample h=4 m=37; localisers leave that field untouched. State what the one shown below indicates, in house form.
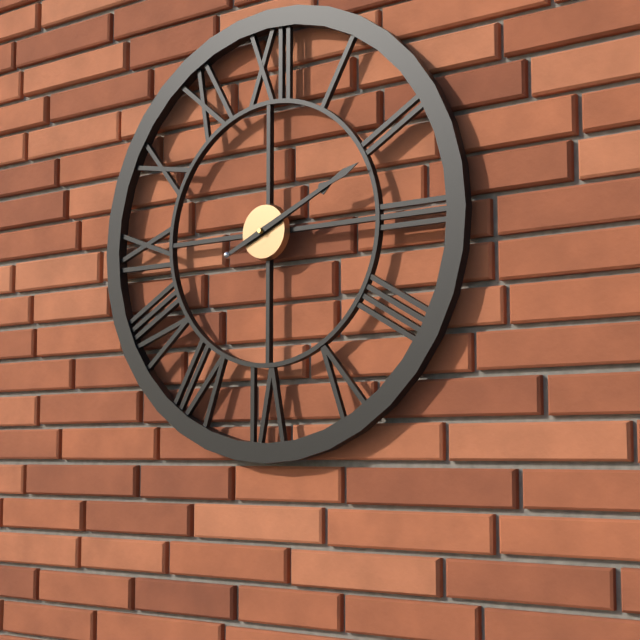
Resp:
h=2 m=11
